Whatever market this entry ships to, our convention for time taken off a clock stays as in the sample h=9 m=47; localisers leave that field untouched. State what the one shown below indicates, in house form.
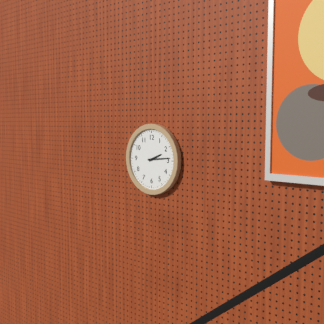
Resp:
h=2 m=14
